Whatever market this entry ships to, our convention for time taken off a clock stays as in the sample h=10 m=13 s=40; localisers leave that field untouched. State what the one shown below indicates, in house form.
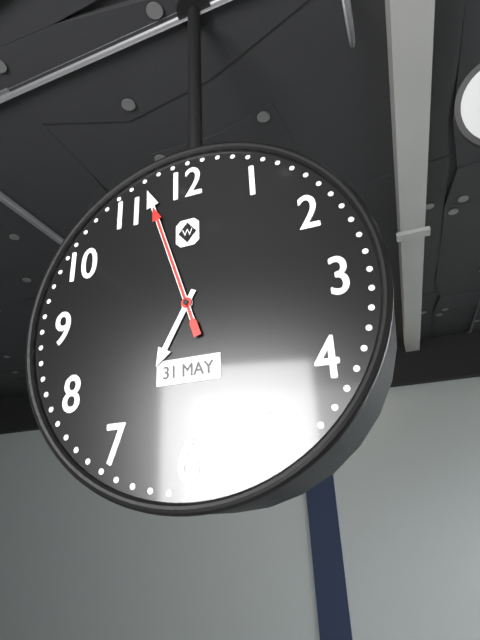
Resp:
h=6 m=57 s=57
